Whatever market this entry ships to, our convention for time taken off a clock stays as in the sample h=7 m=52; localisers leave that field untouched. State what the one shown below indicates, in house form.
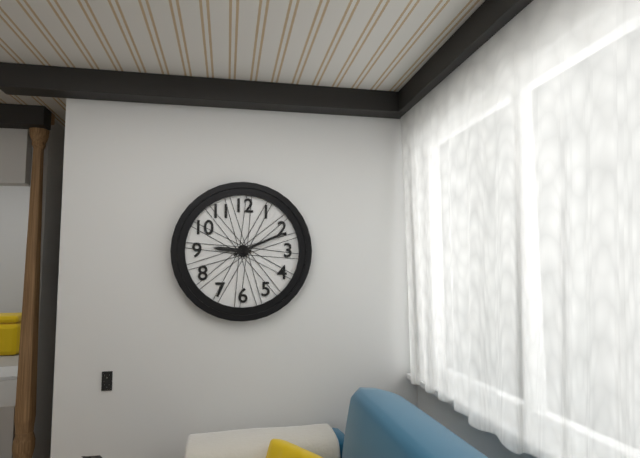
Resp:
h=9 m=11
